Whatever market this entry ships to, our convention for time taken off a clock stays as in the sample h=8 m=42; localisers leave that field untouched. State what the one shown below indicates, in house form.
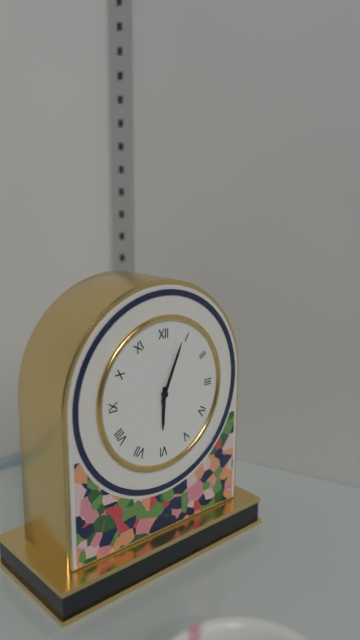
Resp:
h=6 m=4
